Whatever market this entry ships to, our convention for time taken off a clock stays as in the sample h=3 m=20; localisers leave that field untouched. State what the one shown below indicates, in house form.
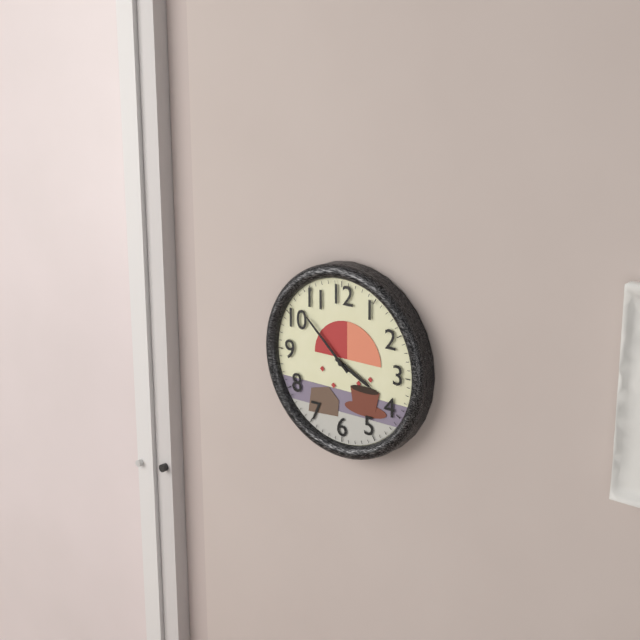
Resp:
h=3 m=52
